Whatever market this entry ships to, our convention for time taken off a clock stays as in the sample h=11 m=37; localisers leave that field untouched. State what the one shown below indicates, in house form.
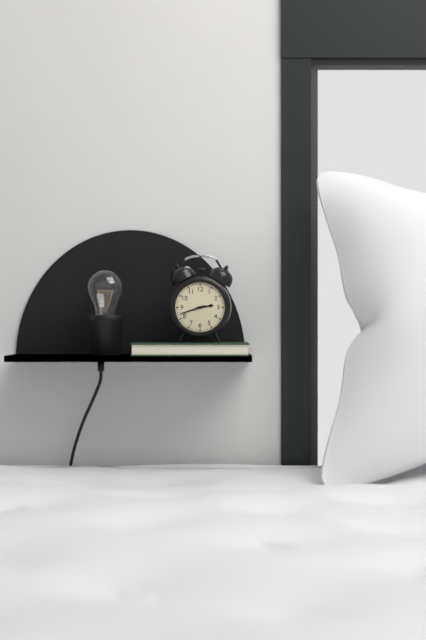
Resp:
h=2 m=42
